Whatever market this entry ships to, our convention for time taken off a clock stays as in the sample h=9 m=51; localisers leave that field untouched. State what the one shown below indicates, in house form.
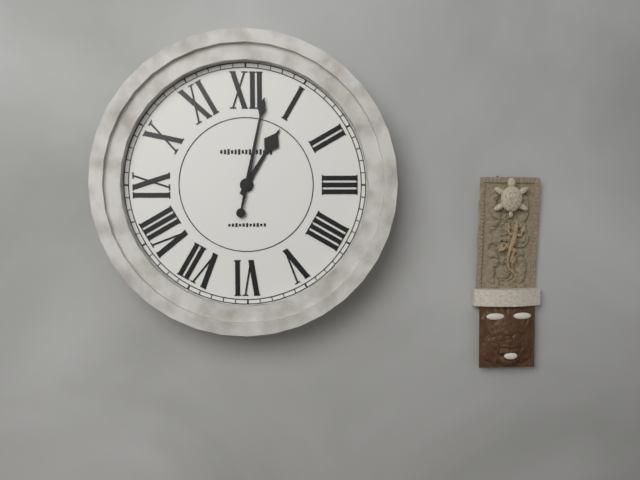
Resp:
h=1 m=2
